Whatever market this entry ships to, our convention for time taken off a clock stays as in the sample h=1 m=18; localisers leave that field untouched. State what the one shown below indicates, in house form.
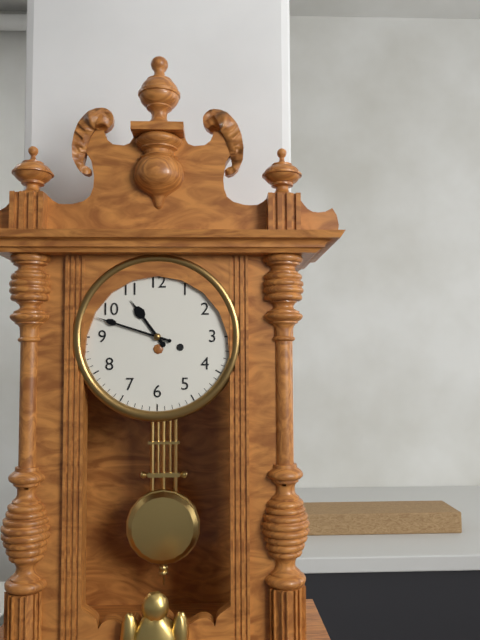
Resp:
h=10 m=48
